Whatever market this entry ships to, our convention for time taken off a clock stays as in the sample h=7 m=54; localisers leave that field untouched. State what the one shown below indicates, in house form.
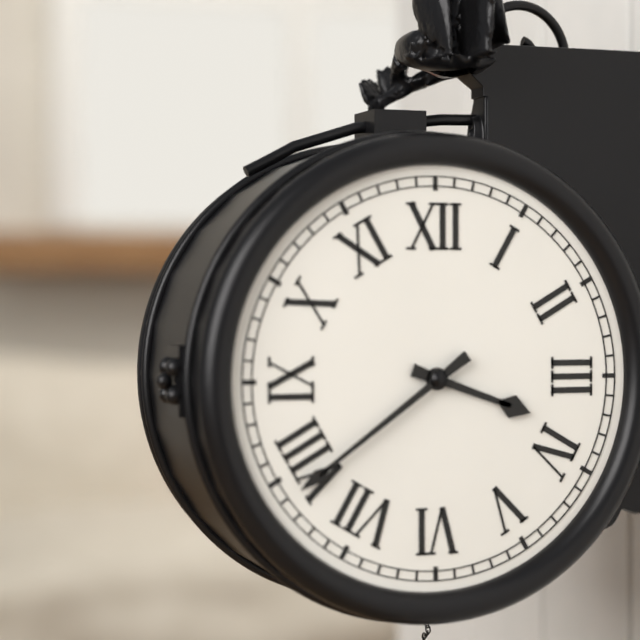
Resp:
h=3 m=39
